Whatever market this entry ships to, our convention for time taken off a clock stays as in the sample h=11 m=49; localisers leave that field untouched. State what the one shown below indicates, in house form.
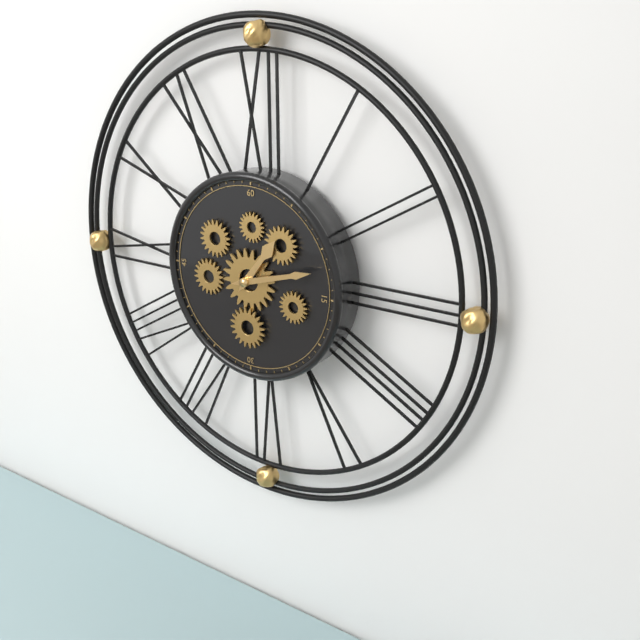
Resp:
h=1 m=12
